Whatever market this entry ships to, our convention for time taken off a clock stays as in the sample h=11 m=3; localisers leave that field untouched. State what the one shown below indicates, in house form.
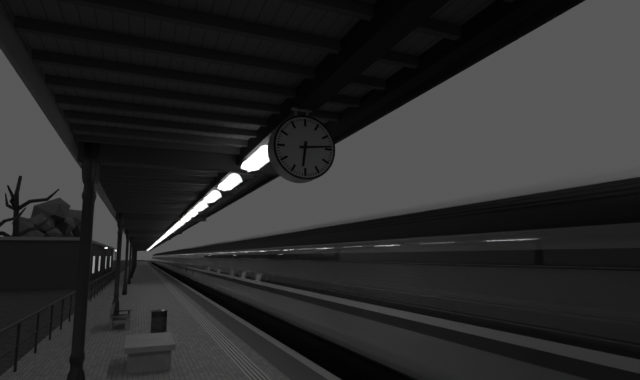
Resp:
h=6 m=14
